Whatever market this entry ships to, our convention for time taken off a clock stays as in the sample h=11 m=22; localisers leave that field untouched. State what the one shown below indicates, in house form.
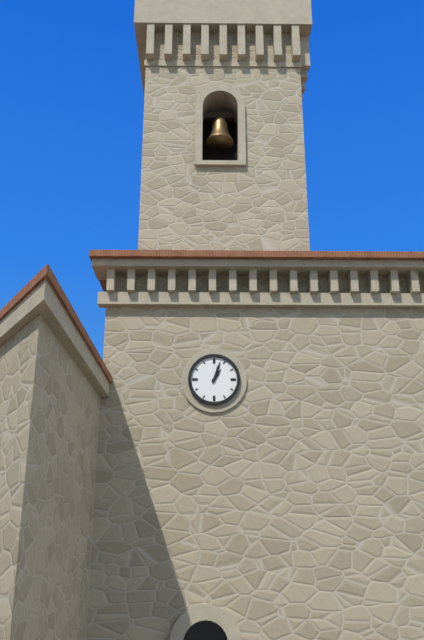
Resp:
h=1 m=3
